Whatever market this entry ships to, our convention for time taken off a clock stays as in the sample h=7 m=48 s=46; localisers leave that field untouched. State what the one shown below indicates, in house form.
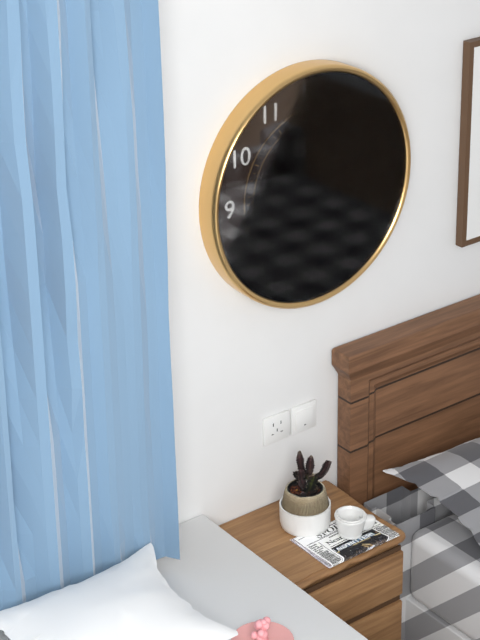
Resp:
h=2 m=11 s=58
